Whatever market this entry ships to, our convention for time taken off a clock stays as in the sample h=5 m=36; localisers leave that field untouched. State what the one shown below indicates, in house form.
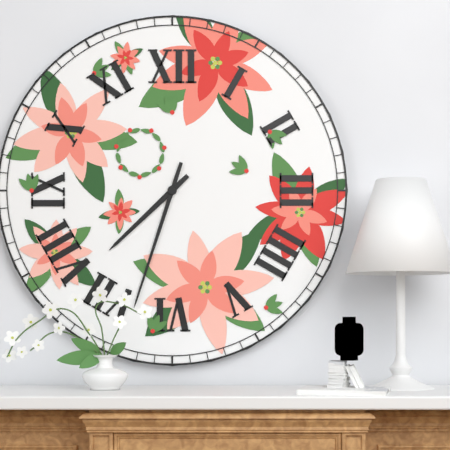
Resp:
h=7 m=33
